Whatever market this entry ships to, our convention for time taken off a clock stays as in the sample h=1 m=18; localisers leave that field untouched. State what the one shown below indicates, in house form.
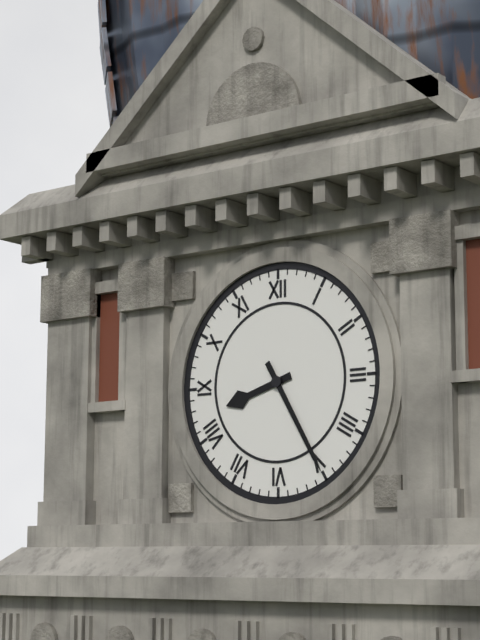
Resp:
h=8 m=25
